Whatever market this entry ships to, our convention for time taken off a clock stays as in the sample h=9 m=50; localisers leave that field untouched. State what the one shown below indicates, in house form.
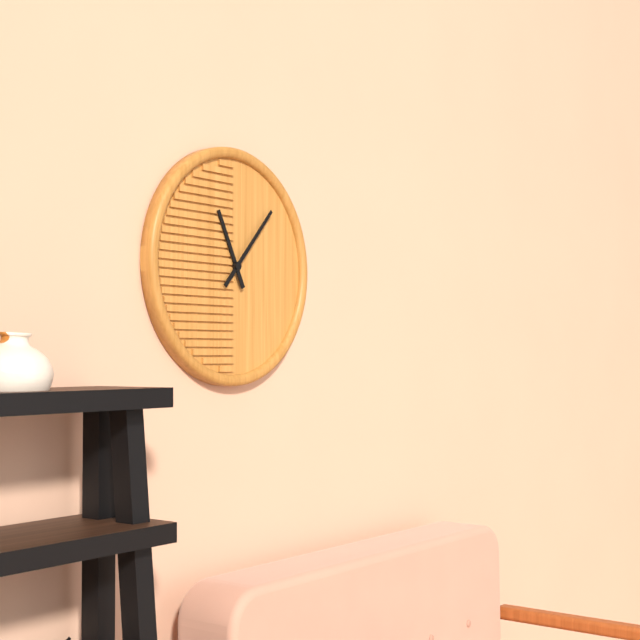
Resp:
h=11 m=7
